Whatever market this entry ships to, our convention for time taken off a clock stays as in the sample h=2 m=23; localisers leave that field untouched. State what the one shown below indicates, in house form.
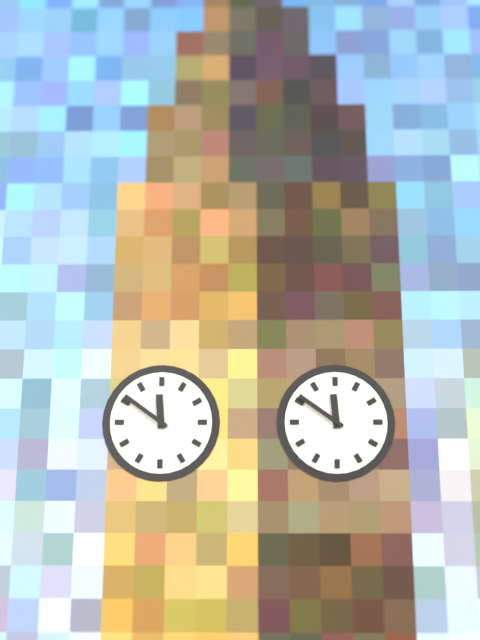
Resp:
h=11 m=51
